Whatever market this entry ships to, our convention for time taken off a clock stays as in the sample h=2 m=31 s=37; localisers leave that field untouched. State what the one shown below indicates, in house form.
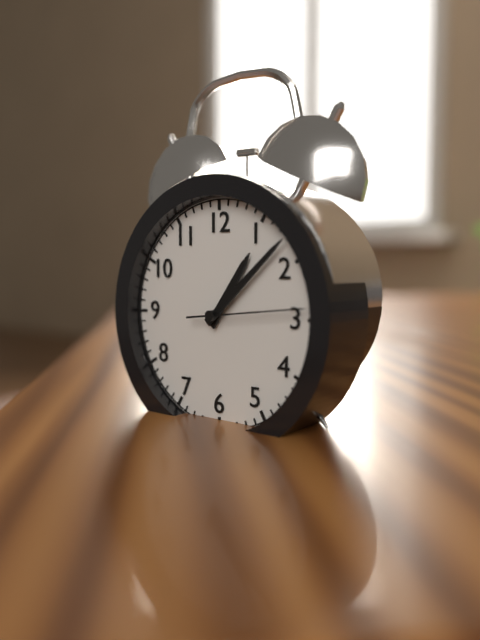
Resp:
h=1 m=8 s=14
